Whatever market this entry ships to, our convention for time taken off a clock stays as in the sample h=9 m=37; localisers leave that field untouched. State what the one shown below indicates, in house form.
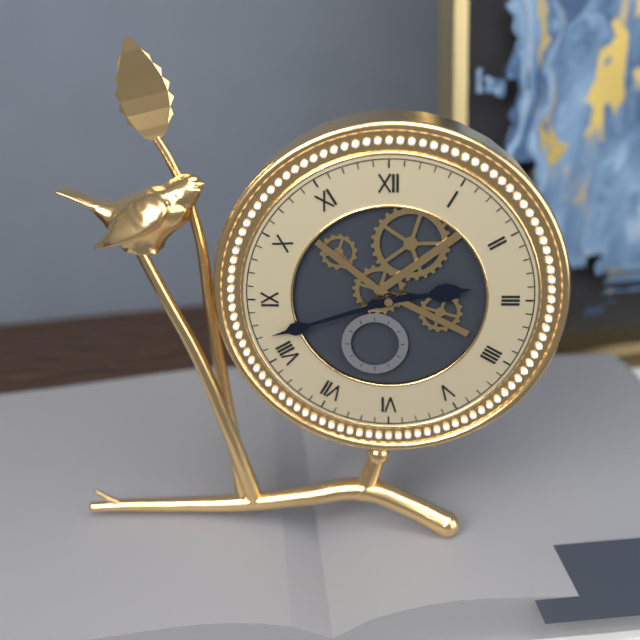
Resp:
h=2 m=42
